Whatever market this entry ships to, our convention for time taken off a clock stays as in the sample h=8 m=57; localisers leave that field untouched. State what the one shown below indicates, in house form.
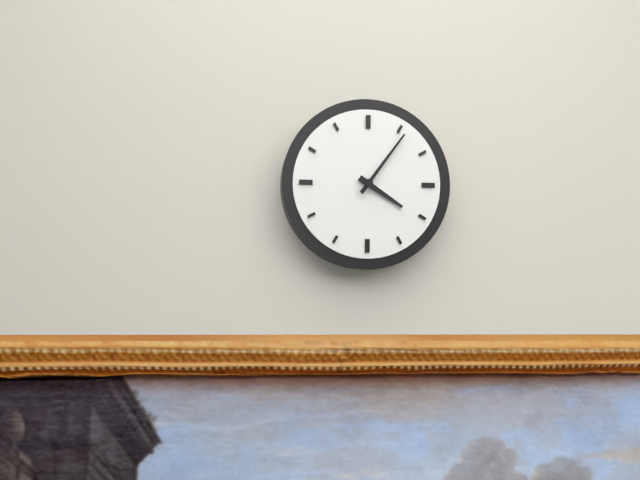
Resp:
h=4 m=6
